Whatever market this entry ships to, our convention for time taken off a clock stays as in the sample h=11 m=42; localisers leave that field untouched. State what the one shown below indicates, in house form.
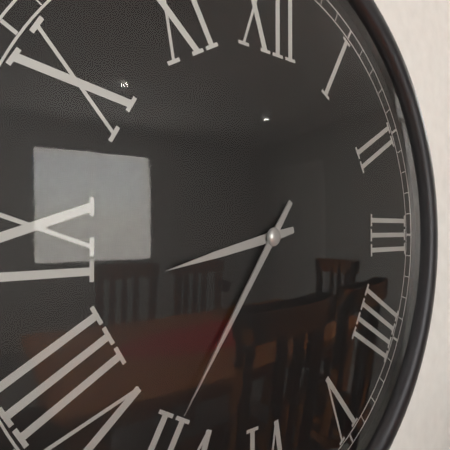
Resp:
h=8 m=36
